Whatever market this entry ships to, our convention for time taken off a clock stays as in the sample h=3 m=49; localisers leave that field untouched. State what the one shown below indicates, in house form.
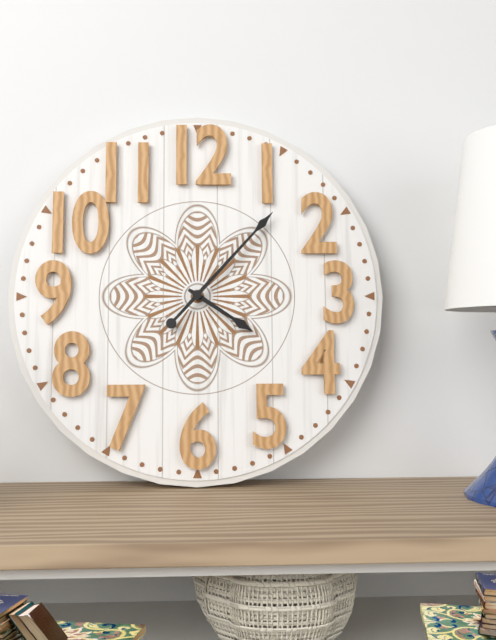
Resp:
h=4 m=7
